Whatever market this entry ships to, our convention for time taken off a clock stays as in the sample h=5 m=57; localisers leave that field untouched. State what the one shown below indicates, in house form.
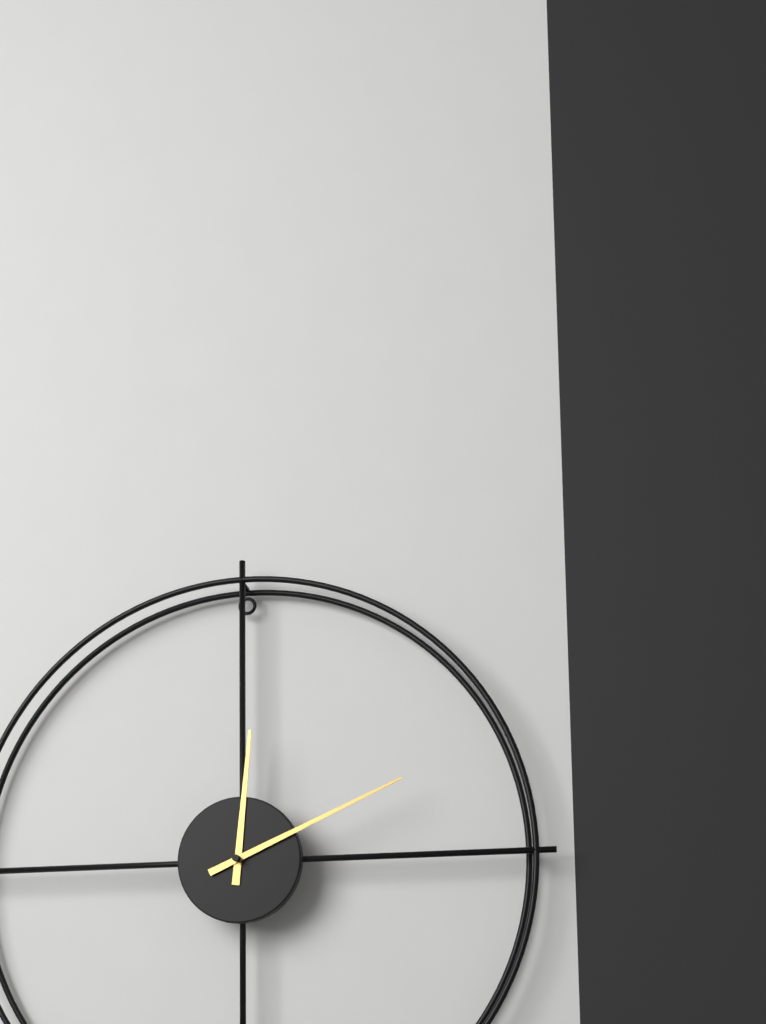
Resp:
h=12 m=11
